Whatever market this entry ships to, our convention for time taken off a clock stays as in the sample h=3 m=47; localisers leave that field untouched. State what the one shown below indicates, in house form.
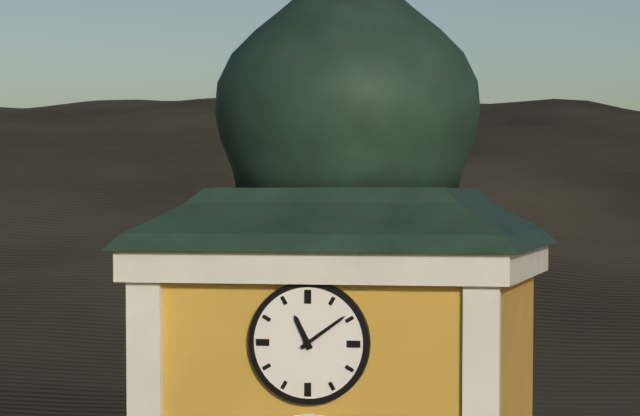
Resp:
h=11 m=9
